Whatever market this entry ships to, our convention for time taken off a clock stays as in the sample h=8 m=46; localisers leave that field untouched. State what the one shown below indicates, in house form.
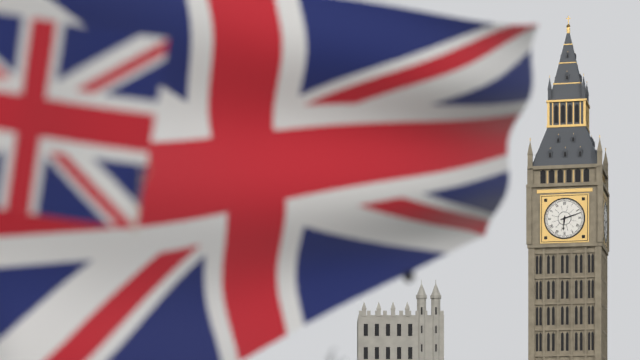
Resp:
h=6 m=12
